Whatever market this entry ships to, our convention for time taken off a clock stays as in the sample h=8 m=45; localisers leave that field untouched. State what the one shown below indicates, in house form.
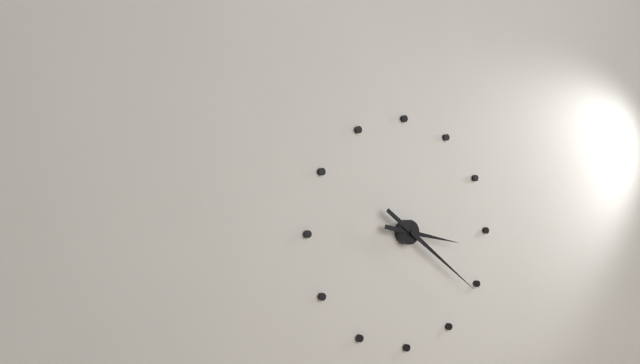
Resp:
h=3 m=21
